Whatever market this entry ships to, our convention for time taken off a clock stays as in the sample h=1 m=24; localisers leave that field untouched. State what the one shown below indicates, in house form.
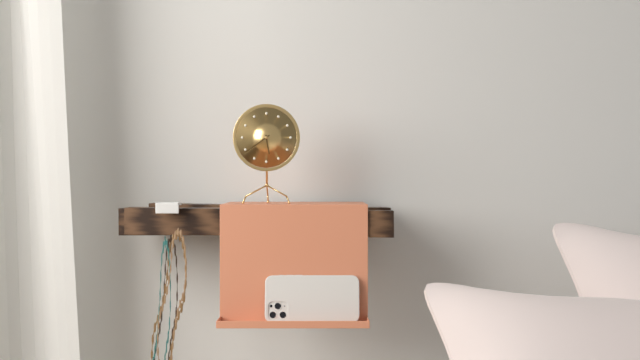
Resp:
h=5 m=39
